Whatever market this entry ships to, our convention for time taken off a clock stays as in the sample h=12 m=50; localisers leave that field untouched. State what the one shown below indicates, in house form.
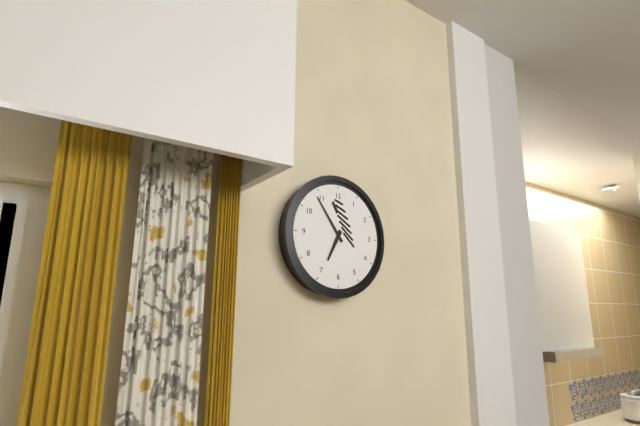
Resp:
h=6 m=54
